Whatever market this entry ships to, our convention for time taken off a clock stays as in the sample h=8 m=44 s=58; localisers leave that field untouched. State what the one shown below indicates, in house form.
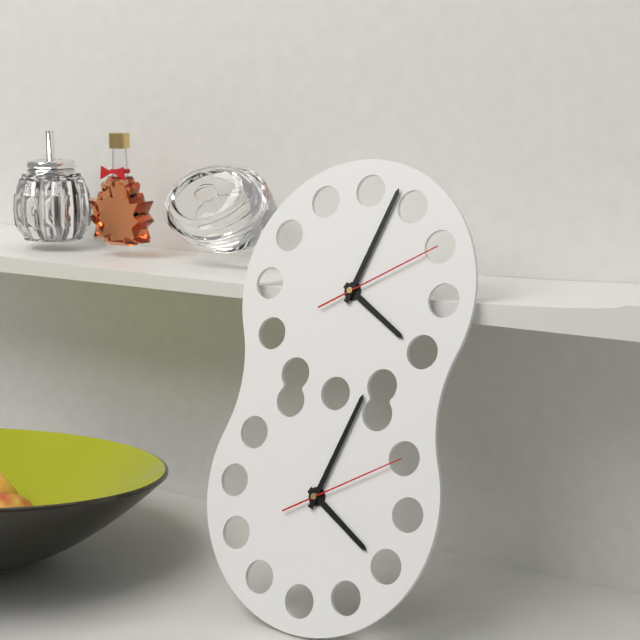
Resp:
h=4 m=3 s=10
